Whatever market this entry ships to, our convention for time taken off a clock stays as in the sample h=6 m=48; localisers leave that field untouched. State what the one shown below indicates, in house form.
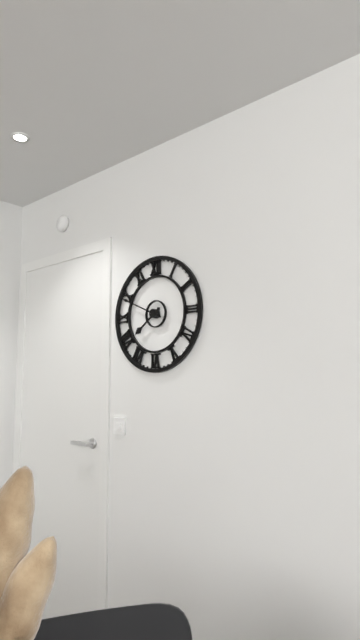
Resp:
h=7 m=49
